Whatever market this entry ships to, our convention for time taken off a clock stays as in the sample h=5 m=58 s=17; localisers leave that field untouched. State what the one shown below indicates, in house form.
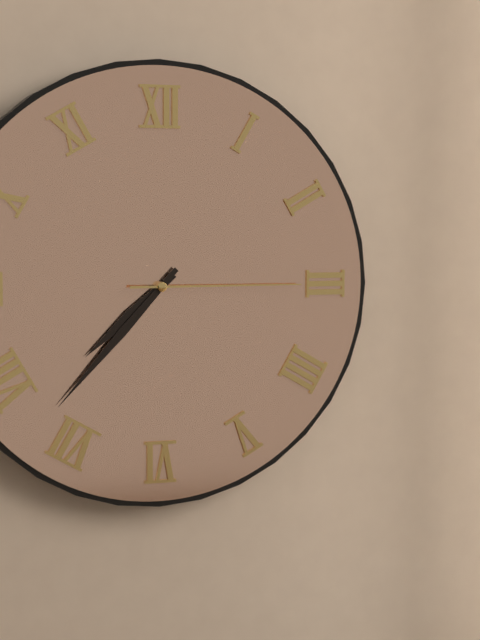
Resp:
h=7 m=37 s=15
